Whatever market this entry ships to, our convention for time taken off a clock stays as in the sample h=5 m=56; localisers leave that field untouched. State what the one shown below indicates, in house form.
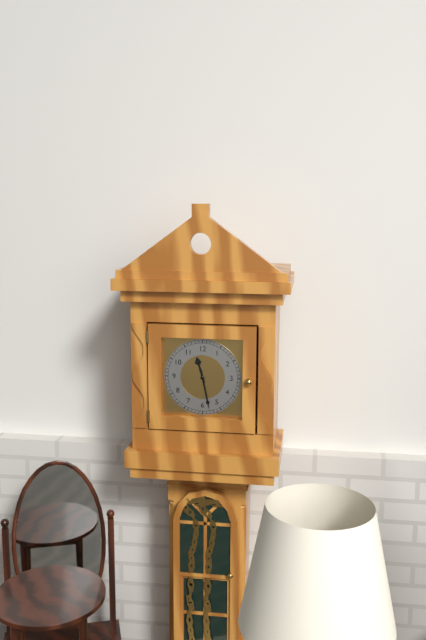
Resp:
h=11 m=28
